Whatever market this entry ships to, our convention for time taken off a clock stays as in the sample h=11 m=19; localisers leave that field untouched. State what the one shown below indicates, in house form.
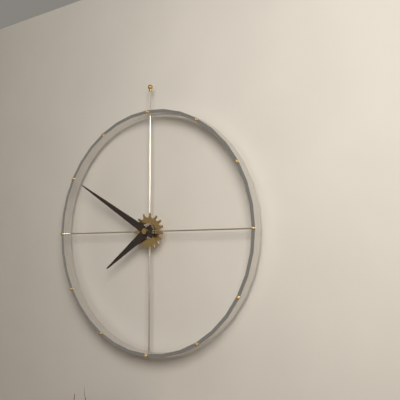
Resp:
h=7 m=50
